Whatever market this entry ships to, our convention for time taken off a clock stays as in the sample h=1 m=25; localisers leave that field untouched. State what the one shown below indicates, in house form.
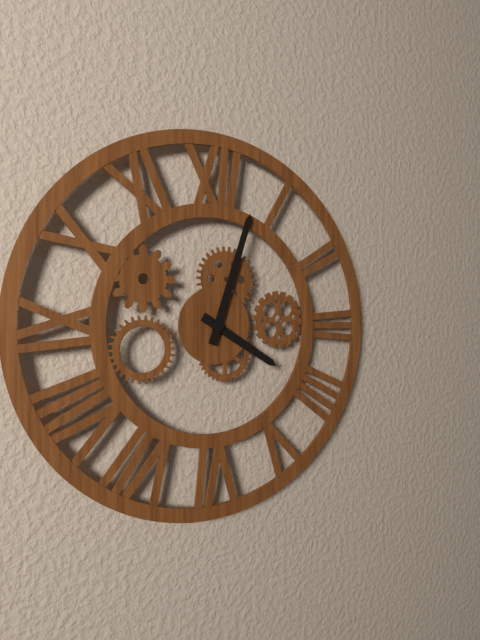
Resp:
h=4 m=3
